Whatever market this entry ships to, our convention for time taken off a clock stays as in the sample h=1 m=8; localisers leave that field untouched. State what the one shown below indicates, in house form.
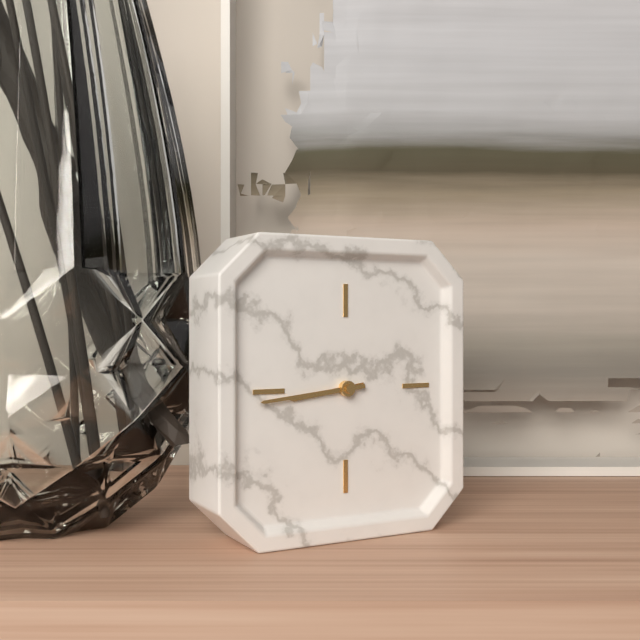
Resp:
h=8 m=44
